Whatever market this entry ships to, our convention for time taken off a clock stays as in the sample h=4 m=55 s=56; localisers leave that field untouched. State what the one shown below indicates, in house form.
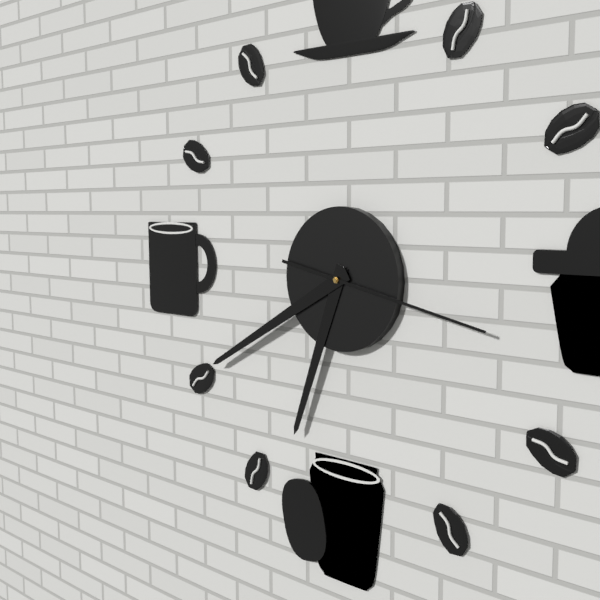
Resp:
h=6 m=40 s=17
